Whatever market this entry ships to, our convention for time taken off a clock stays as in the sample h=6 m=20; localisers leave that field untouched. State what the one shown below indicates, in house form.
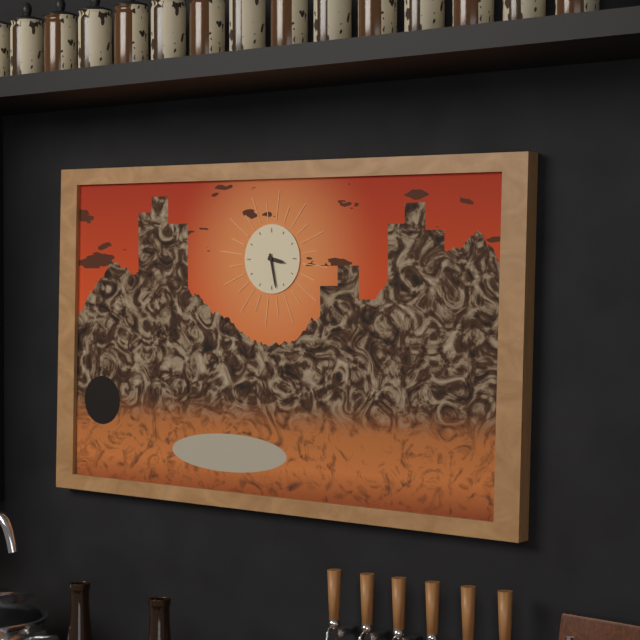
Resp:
h=3 m=28
